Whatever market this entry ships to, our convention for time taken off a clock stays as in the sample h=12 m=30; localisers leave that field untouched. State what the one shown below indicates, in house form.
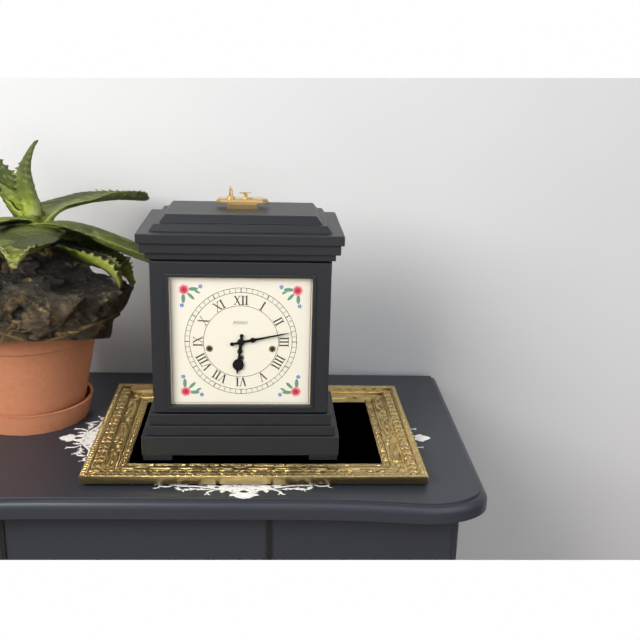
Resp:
h=6 m=13
